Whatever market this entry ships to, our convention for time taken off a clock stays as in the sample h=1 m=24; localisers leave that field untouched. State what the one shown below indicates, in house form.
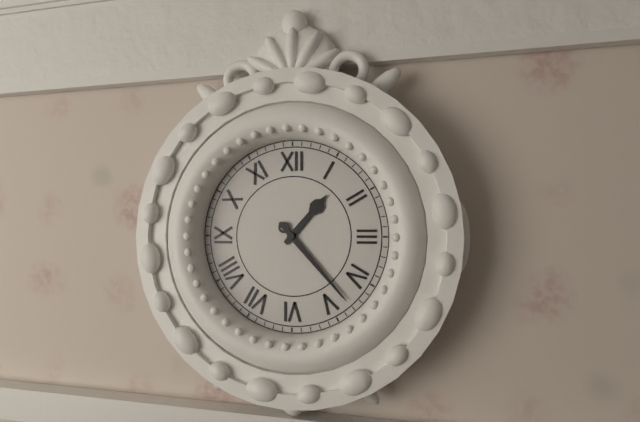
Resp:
h=1 m=23
